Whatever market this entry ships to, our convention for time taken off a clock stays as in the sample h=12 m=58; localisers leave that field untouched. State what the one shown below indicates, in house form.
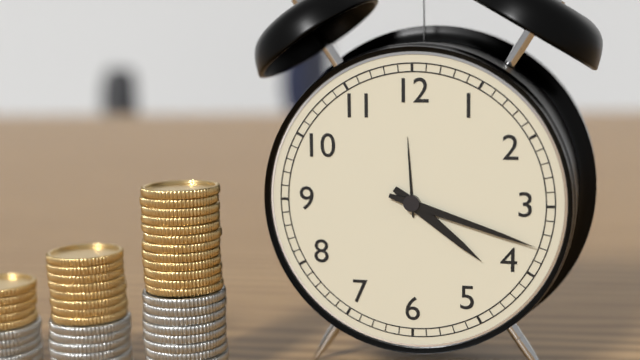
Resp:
h=4 m=18
